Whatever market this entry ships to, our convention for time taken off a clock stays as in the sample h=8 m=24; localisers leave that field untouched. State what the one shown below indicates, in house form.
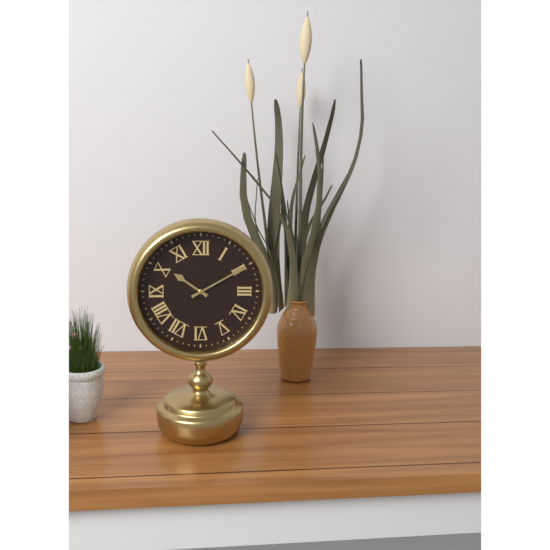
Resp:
h=10 m=10
